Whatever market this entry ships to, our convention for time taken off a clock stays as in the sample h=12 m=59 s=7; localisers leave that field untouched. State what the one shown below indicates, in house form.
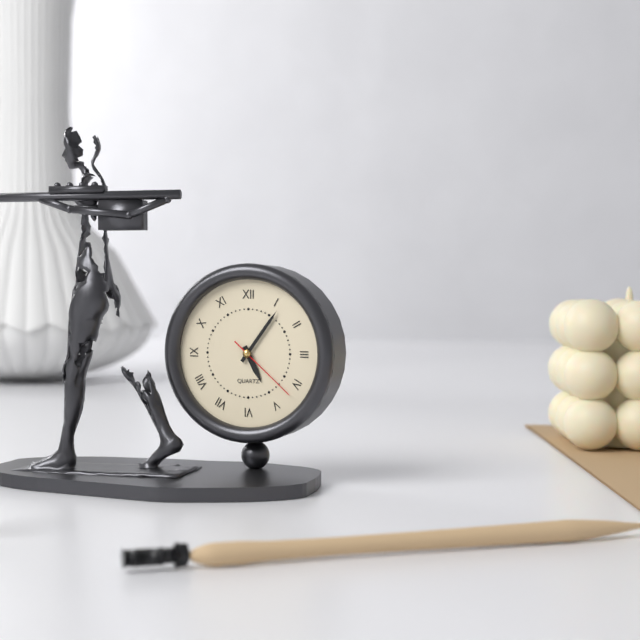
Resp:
h=5 m=6 s=22
